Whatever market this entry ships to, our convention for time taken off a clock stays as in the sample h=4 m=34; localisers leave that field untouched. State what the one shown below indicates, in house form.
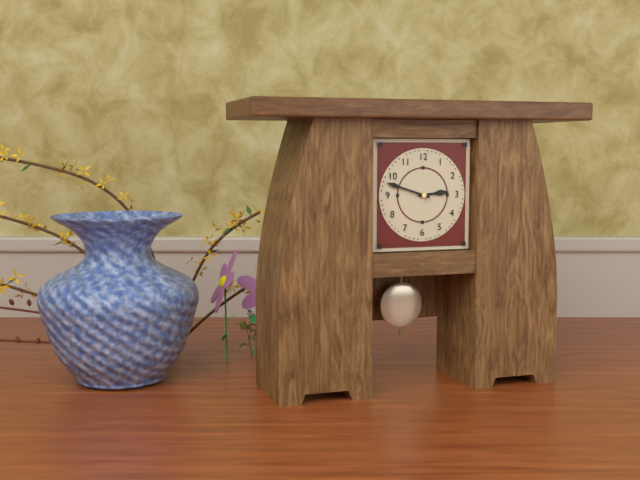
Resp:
h=2 m=48
